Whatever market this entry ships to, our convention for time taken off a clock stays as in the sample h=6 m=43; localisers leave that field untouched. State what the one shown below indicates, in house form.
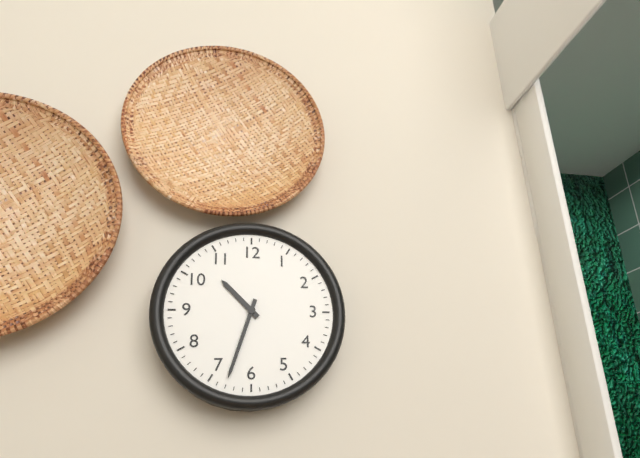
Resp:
h=10 m=33
